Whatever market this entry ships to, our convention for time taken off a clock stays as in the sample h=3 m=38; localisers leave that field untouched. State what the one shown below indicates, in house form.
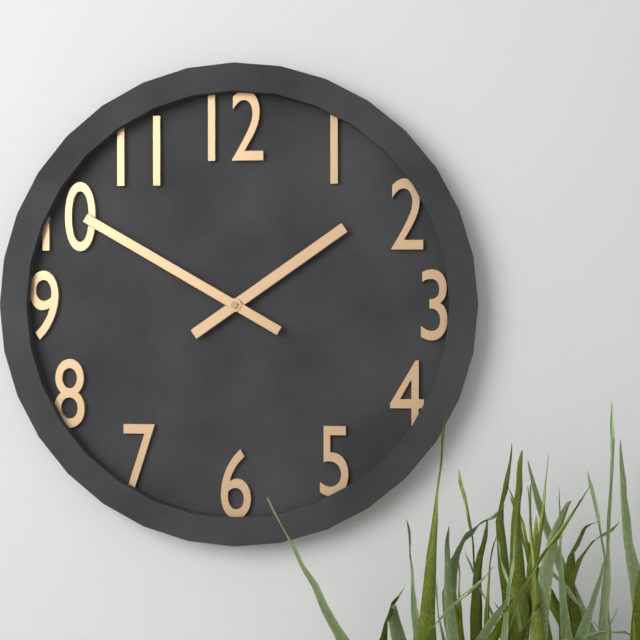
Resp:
h=1 m=50
